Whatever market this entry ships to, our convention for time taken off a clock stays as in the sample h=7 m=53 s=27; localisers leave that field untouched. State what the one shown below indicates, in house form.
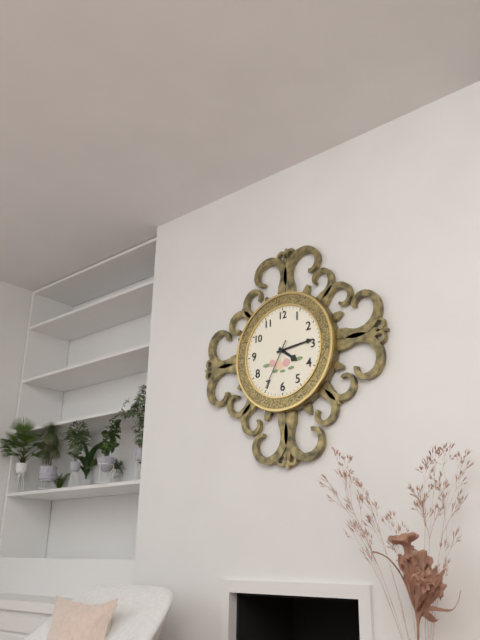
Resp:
h=4 m=14 s=35
